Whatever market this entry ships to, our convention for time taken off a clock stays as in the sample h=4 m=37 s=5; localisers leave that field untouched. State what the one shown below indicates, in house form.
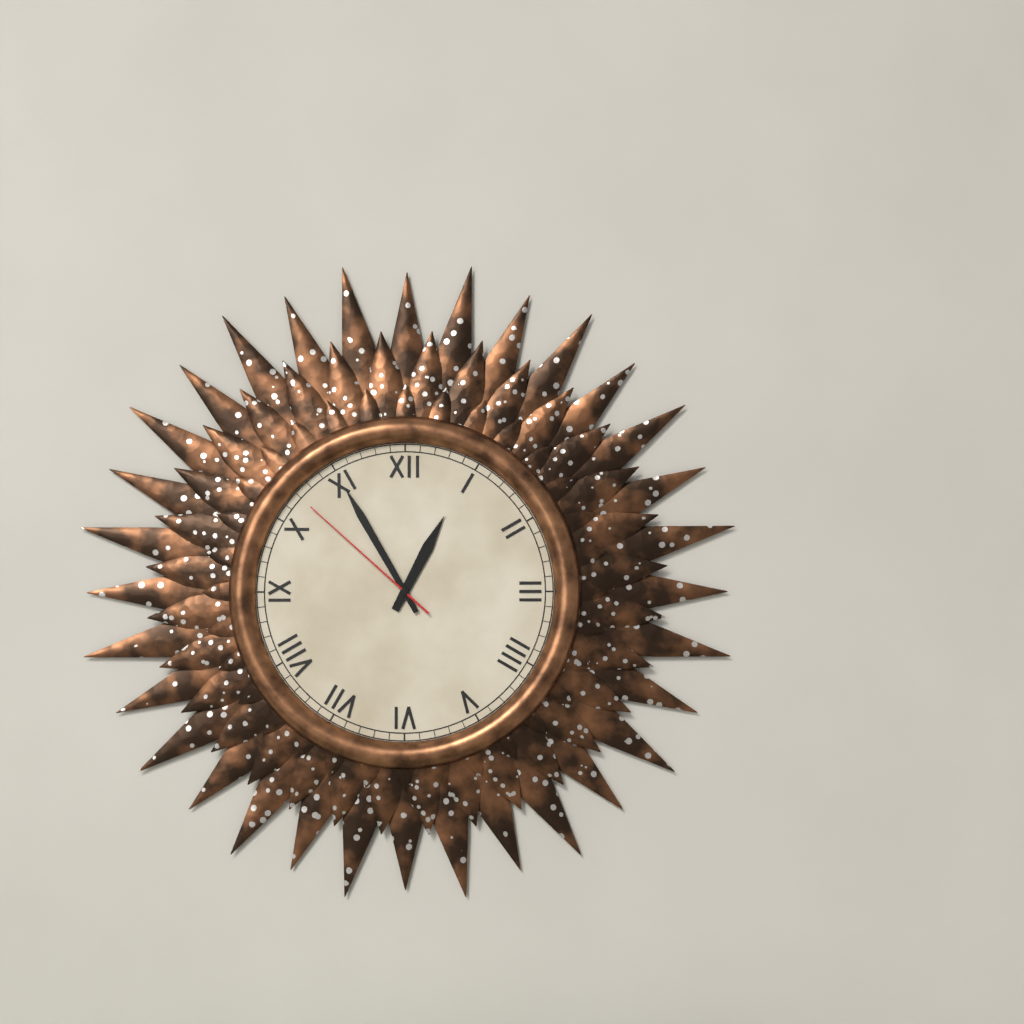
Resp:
h=12 m=55 s=52
